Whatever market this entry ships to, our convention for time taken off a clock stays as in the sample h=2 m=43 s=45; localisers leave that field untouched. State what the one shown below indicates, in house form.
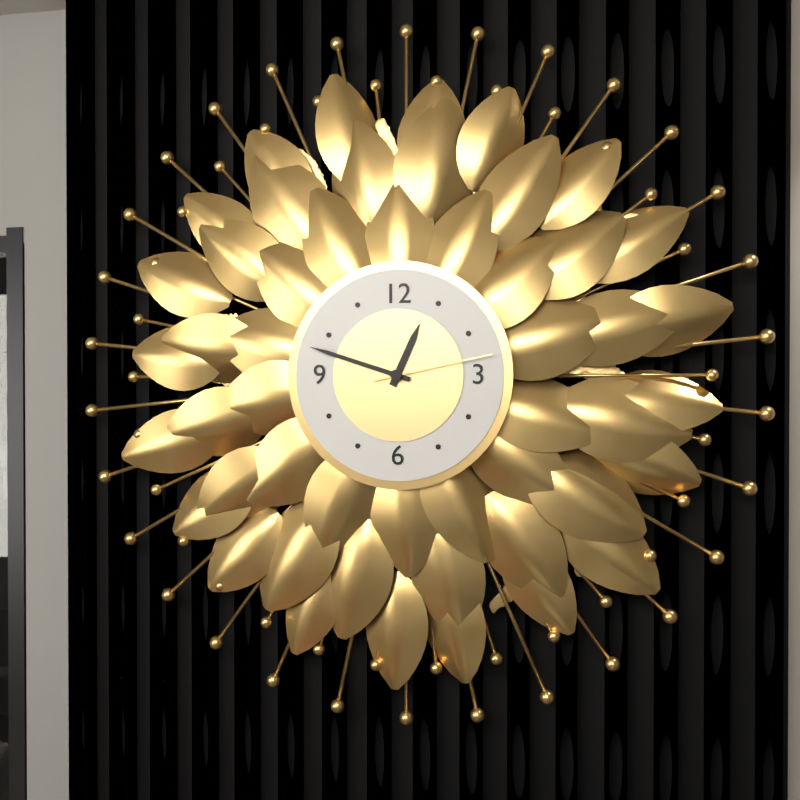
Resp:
h=12 m=48 s=13
